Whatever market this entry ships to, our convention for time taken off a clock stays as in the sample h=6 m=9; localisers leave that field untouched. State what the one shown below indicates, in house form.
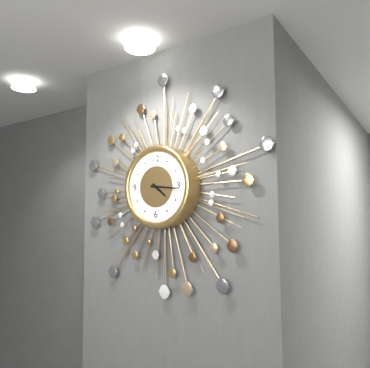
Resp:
h=4 m=16
